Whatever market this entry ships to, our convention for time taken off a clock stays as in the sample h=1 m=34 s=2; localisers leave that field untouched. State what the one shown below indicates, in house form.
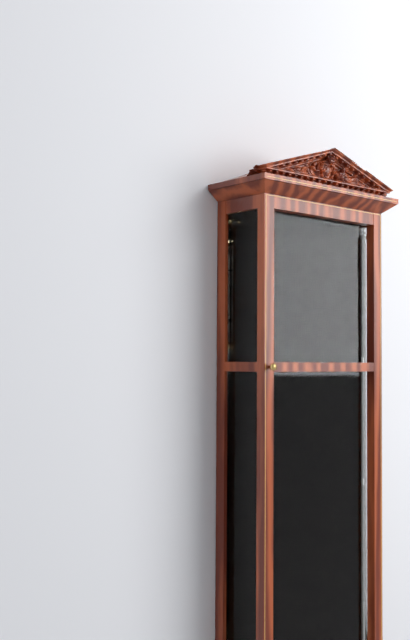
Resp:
h=11 m=18 s=4
